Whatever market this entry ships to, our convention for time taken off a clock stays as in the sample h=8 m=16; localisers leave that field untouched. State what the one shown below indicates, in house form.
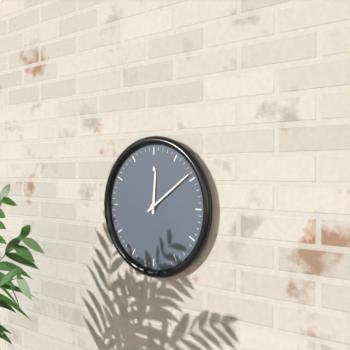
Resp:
h=12 m=9
